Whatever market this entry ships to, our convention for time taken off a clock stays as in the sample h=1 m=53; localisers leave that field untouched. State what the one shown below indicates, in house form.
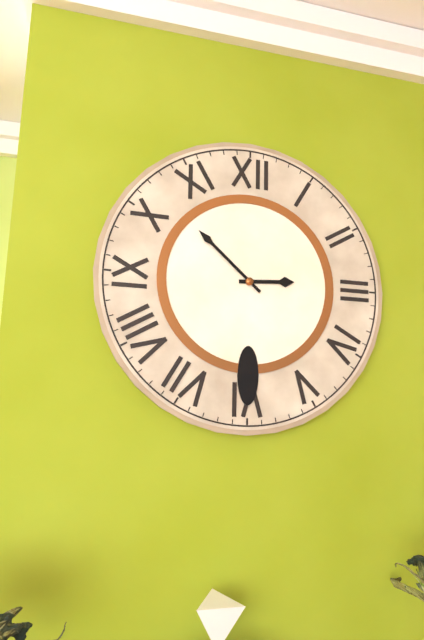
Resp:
h=2 m=52
